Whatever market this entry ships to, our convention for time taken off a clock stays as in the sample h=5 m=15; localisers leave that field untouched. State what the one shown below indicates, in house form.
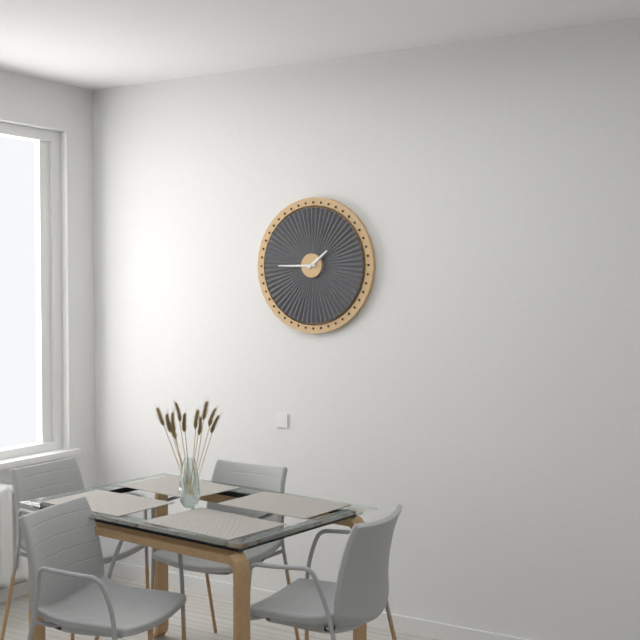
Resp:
h=1 m=45
